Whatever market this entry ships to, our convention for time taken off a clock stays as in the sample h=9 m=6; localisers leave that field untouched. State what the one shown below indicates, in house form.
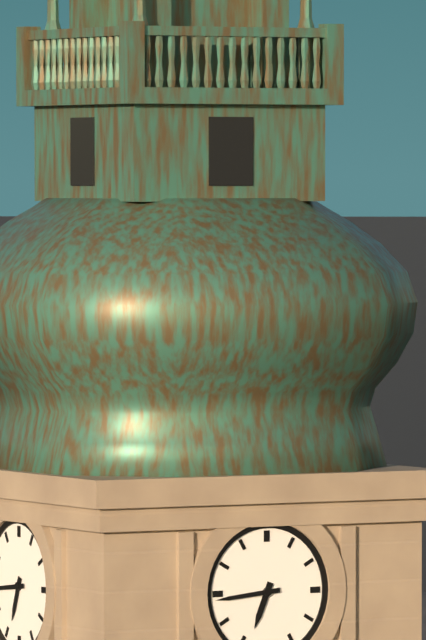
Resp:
h=6 m=44
